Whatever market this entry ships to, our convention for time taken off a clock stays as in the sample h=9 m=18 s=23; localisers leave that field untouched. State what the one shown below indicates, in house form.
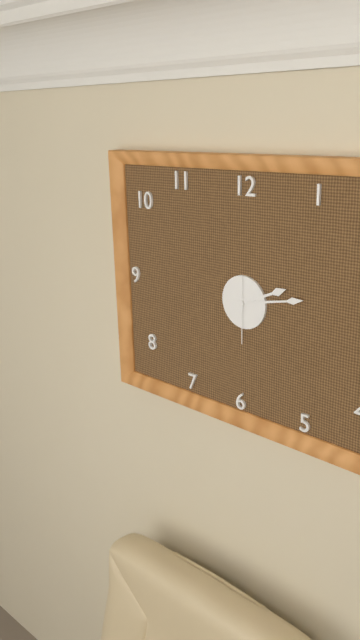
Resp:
h=2 m=13 s=30
